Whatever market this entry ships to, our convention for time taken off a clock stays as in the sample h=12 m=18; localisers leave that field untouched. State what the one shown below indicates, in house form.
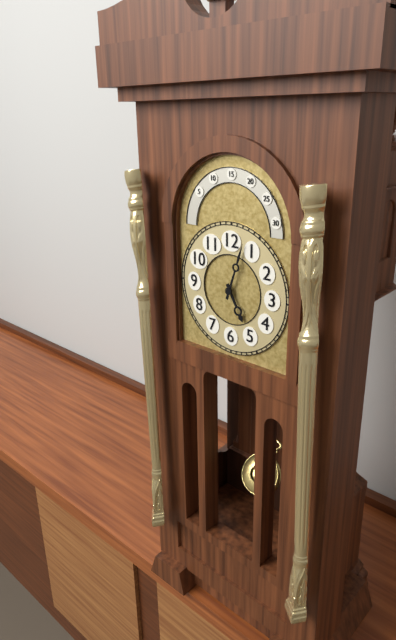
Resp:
h=5 m=3
